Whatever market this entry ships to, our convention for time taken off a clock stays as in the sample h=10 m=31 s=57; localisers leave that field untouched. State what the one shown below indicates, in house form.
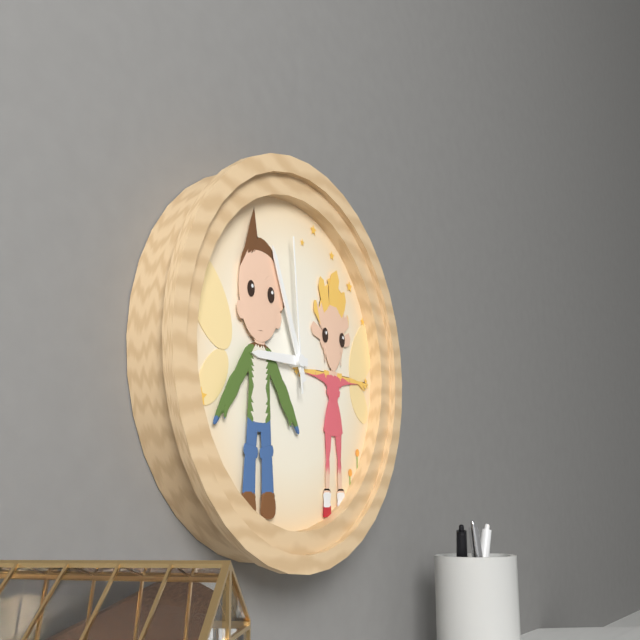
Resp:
h=8 m=56 s=59
